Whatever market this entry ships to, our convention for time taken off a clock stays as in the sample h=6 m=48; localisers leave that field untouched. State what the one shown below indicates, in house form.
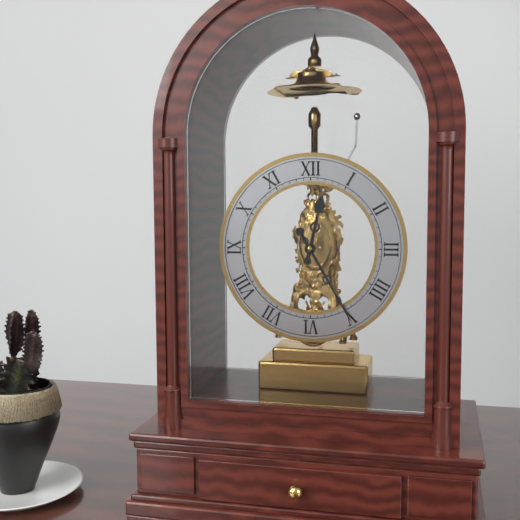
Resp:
h=12 m=25
